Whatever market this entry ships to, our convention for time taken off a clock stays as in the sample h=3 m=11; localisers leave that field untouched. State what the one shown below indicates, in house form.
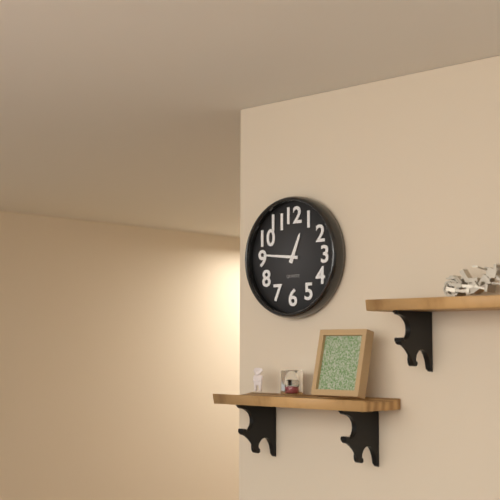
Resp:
h=12 m=46
